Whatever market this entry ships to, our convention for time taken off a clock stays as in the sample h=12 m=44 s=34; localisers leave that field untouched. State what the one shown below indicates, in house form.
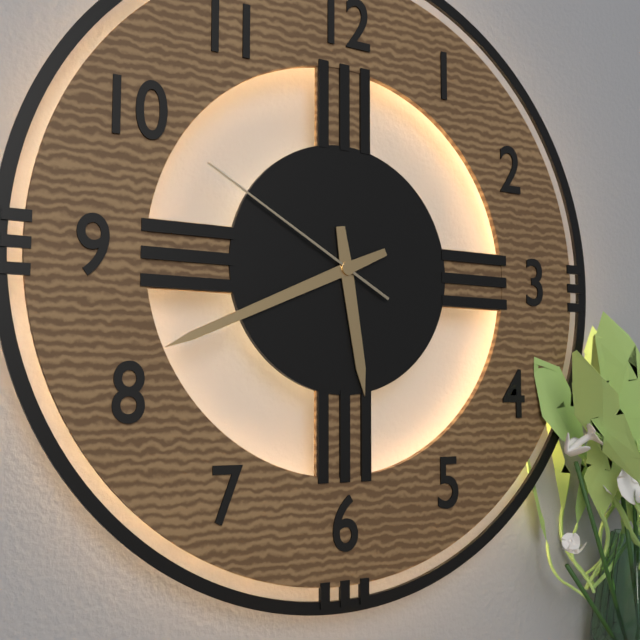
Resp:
h=5 m=41 s=50
